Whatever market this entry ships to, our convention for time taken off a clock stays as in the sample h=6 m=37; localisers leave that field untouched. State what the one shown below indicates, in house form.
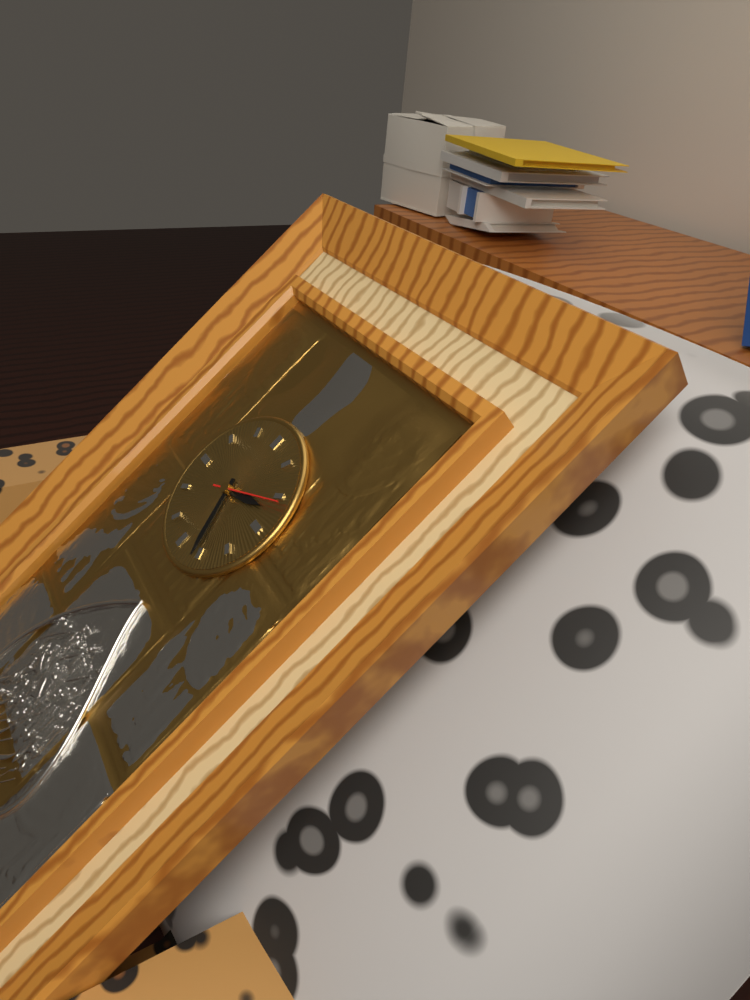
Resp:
h=2 m=26
